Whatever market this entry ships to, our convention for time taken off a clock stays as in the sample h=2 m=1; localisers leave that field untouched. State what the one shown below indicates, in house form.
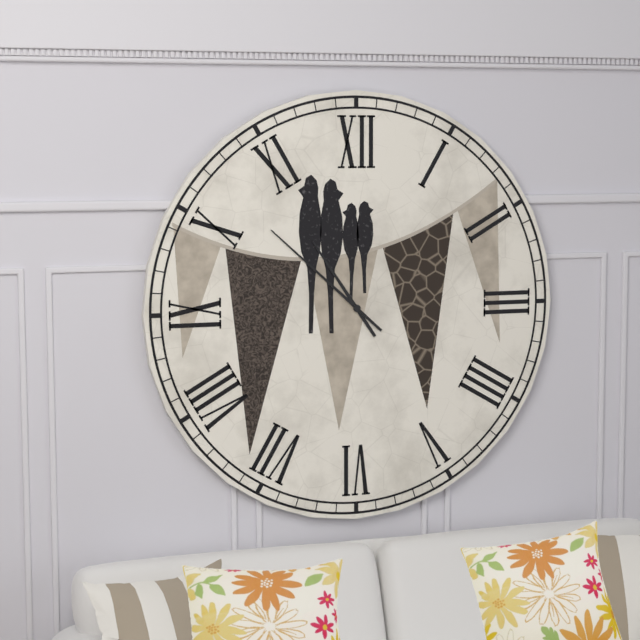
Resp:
h=10 m=52
